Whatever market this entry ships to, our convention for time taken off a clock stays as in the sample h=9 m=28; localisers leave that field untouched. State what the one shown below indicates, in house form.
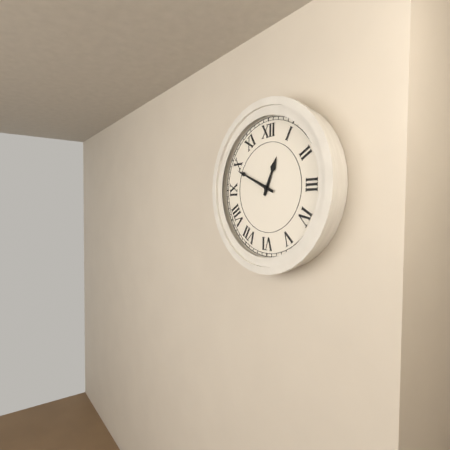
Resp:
h=12 m=49
